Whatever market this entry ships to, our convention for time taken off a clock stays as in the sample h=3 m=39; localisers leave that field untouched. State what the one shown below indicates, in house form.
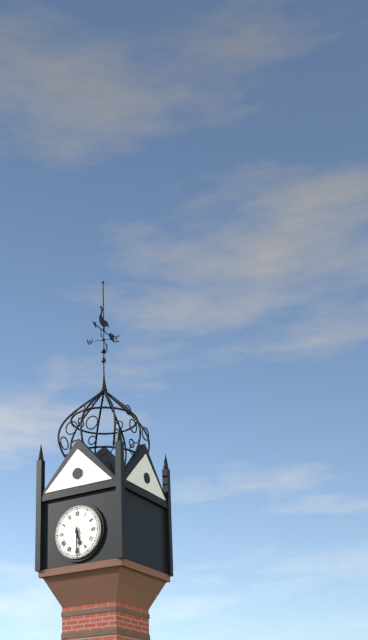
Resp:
h=5 m=30
